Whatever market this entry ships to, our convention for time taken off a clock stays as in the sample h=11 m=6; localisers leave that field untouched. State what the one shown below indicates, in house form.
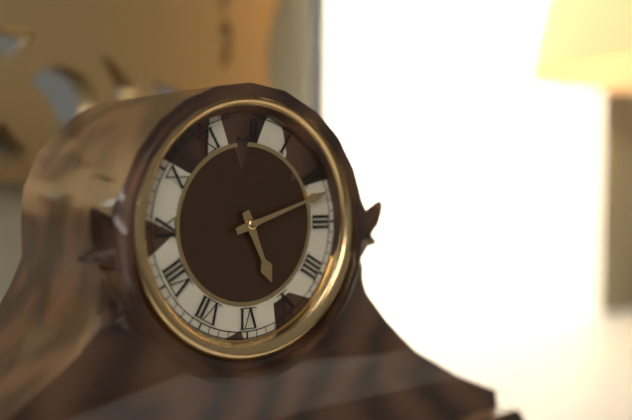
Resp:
h=5 m=12
